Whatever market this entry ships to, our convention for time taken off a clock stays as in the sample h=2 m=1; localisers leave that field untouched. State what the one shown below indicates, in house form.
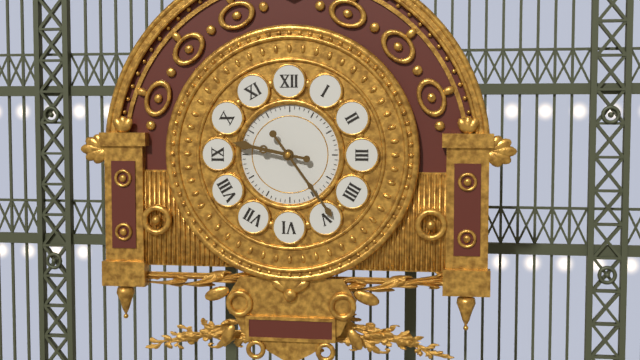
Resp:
h=9 m=24
